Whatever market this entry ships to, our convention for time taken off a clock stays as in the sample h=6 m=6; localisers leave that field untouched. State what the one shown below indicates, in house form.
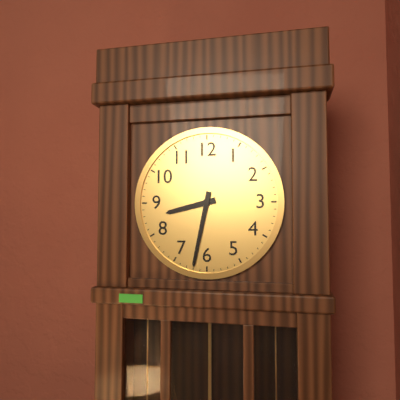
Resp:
h=8 m=32
